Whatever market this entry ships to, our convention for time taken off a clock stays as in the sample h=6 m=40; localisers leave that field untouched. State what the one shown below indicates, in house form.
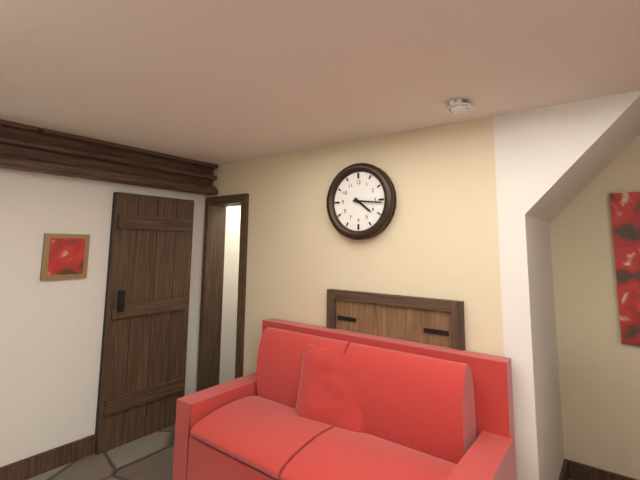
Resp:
h=4 m=16
